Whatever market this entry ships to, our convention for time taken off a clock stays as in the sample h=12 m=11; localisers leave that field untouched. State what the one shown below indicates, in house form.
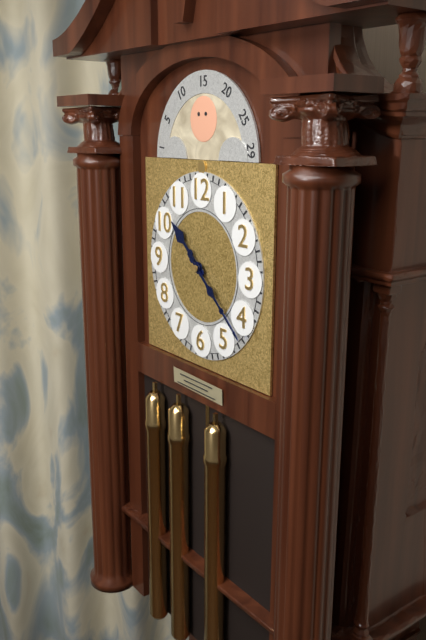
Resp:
h=10 m=22
